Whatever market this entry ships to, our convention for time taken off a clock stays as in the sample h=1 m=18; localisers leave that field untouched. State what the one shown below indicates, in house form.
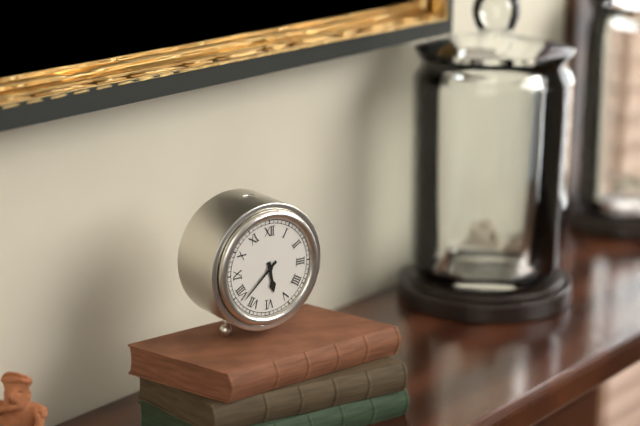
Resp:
h=5 m=38
